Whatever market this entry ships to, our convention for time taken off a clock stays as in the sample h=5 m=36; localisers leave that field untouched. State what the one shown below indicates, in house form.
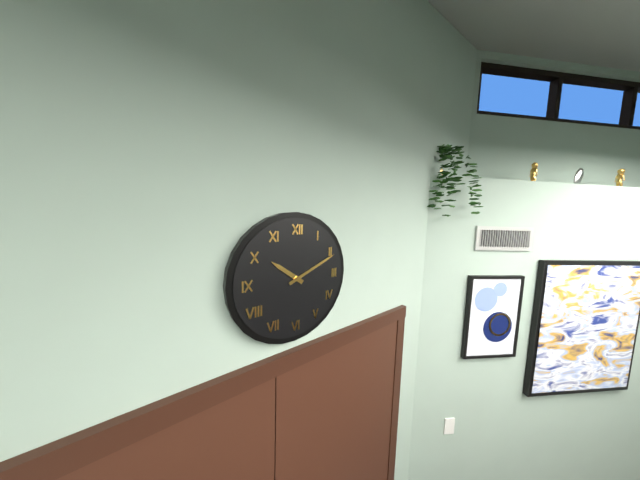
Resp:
h=10 m=11
